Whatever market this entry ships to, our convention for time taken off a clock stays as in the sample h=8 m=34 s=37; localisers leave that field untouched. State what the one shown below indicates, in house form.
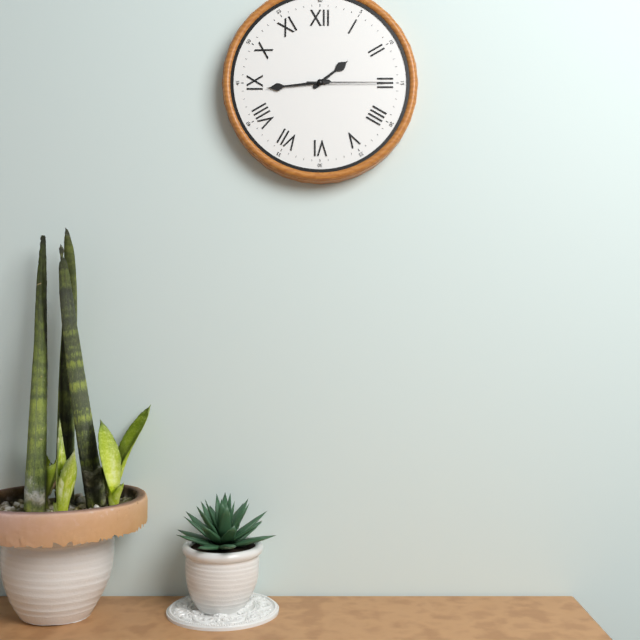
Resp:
h=1 m=44 s=15
